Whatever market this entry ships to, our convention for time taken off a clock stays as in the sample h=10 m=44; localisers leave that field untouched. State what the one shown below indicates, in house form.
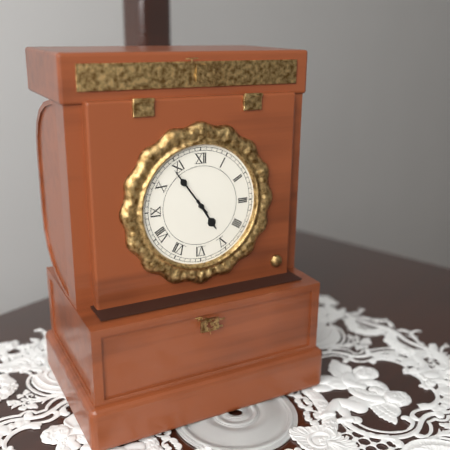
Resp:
h=4 m=54
